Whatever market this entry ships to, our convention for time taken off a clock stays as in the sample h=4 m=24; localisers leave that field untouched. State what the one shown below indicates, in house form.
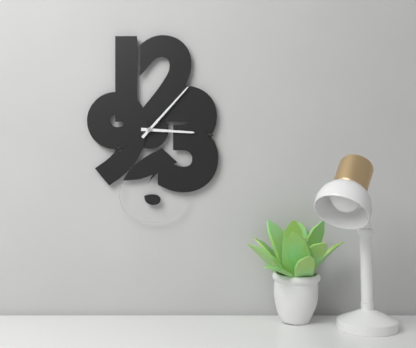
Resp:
h=3 m=7
